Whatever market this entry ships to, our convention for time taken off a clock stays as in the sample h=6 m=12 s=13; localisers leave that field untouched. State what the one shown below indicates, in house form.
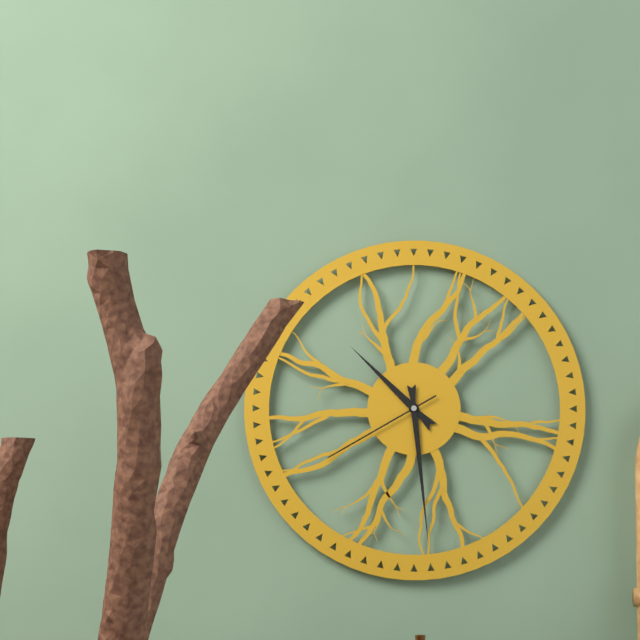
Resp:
h=10 m=29 s=40
